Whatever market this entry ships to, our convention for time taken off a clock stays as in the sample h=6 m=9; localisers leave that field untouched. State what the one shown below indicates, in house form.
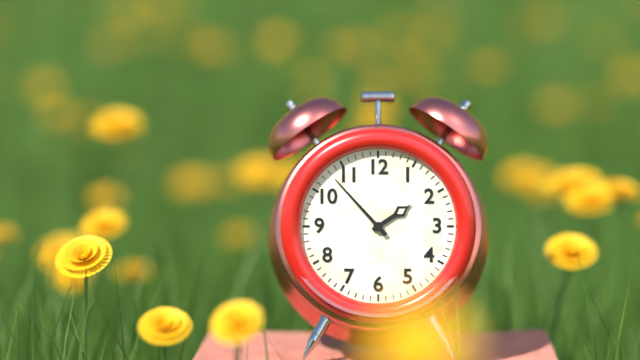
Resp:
h=1 m=53
